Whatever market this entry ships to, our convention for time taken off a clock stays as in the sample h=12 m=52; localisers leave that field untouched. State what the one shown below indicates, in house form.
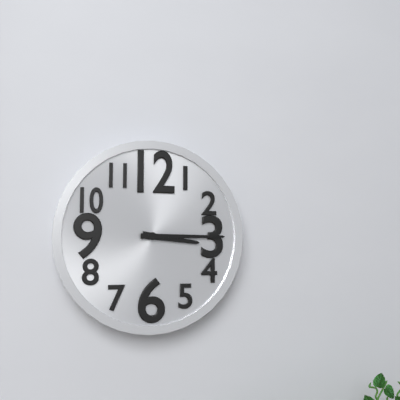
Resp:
h=3 m=15
